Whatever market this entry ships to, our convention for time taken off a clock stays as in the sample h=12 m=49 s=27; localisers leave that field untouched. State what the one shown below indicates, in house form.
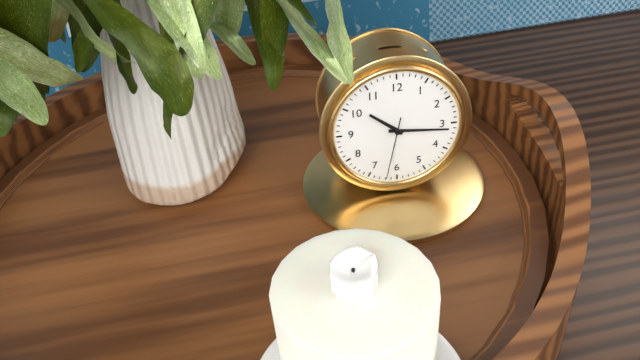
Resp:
h=10 m=16 s=32
